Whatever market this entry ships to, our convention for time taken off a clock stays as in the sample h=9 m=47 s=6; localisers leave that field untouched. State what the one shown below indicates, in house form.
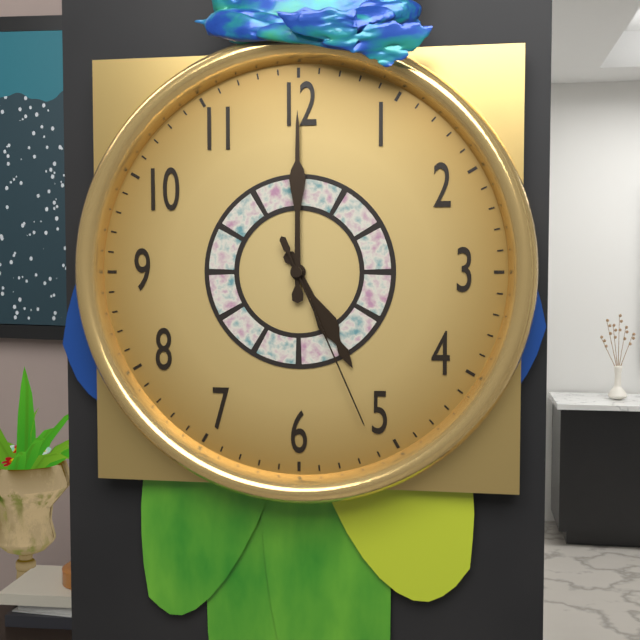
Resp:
h=5 m=0 s=26
